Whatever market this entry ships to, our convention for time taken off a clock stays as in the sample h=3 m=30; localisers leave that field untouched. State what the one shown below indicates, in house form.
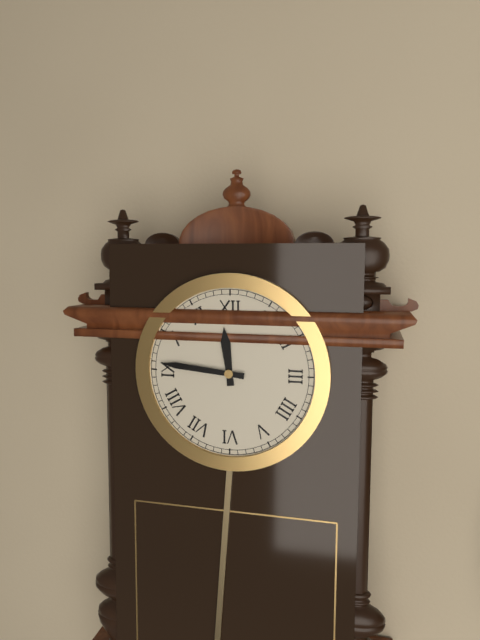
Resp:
h=11 m=46
